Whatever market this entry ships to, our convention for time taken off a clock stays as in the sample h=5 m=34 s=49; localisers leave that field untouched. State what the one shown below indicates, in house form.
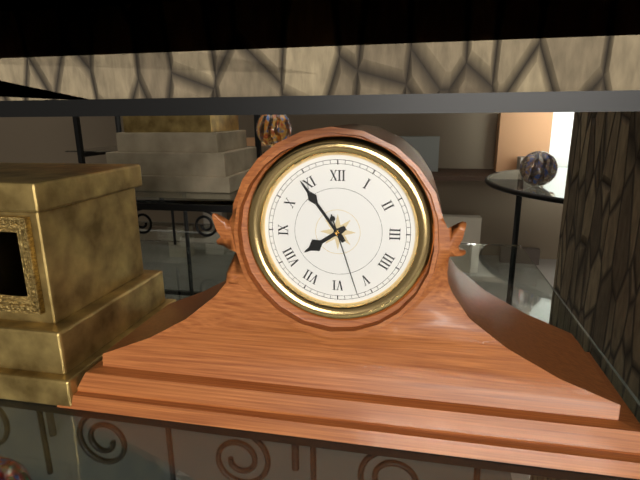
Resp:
h=7 m=54 s=27
